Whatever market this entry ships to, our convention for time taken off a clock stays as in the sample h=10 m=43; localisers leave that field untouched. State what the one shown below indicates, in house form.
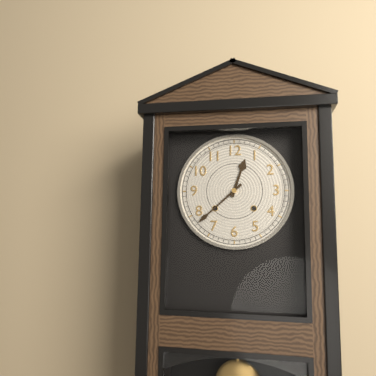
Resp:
h=12 m=38
